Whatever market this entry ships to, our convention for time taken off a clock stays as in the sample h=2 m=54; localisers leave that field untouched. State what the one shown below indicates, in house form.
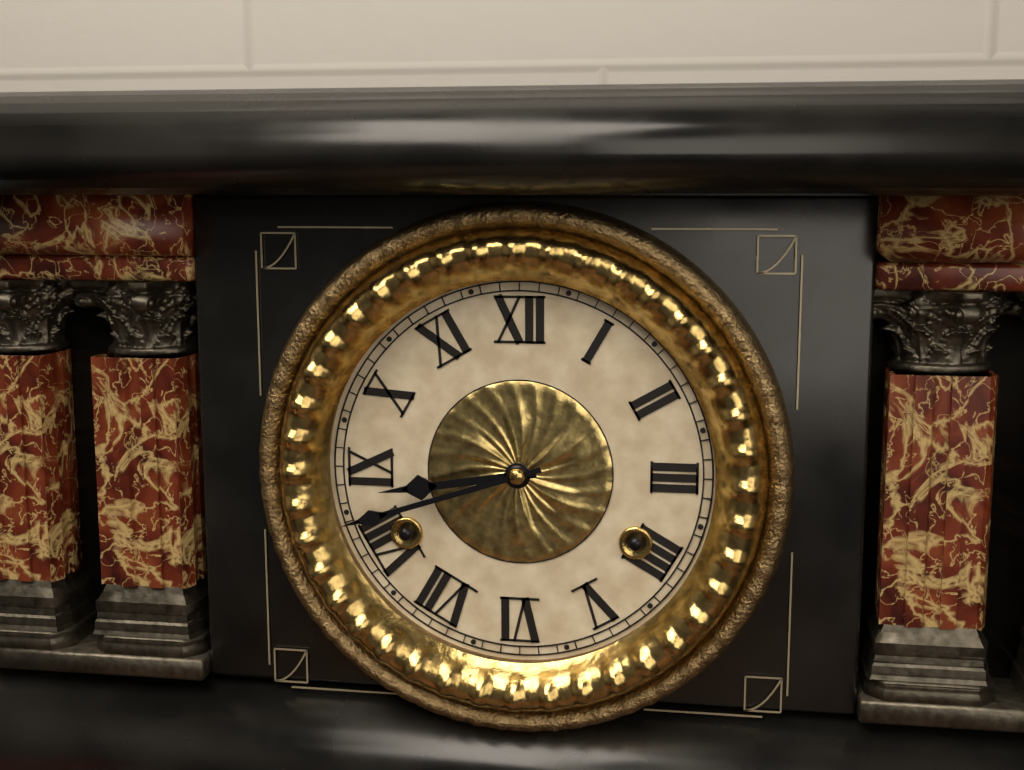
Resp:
h=8 m=42
